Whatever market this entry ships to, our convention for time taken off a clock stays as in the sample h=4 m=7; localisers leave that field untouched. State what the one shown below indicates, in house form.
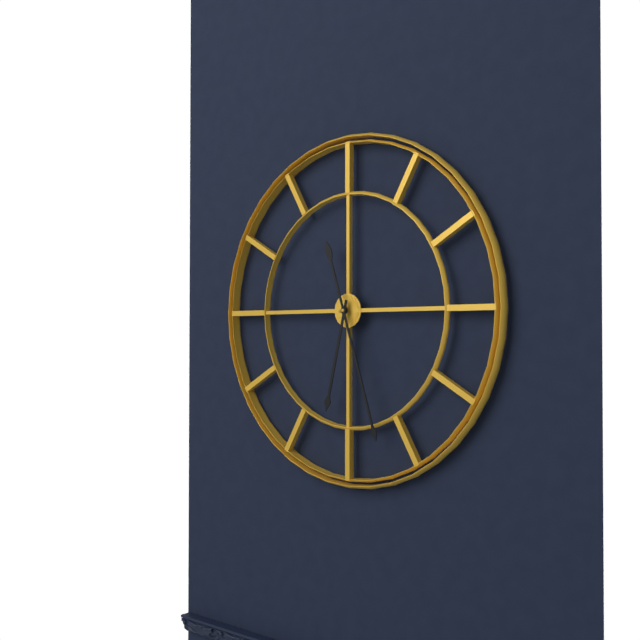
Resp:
h=6 m=27
